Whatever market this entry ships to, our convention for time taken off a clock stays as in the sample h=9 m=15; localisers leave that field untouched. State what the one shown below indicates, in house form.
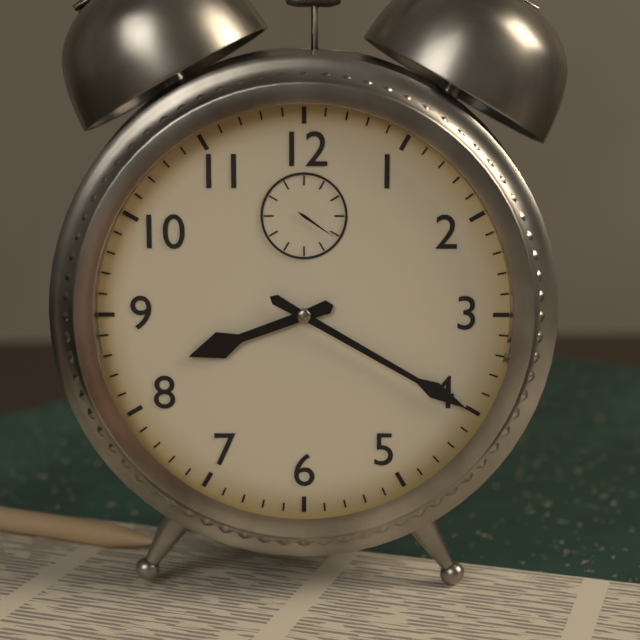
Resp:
h=8 m=20
